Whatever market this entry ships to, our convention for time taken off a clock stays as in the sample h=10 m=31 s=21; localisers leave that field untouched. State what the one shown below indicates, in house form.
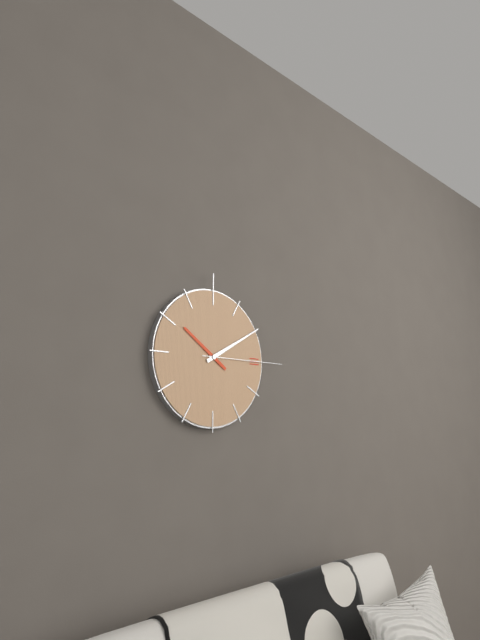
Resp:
h=10 m=10 s=15
